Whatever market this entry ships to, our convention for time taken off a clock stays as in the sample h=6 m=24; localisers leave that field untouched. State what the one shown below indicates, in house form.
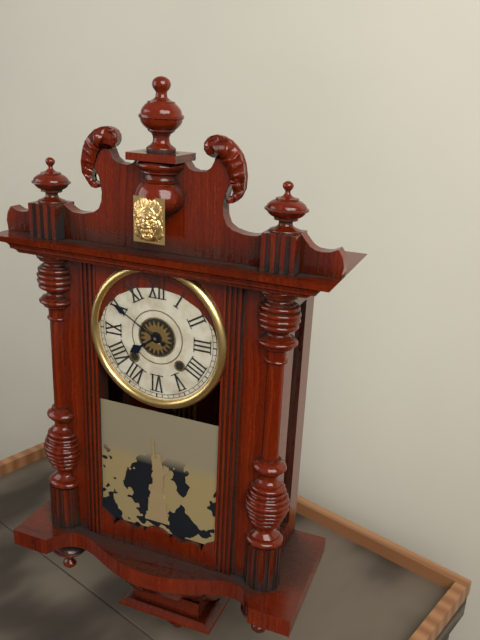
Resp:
h=7 m=50
